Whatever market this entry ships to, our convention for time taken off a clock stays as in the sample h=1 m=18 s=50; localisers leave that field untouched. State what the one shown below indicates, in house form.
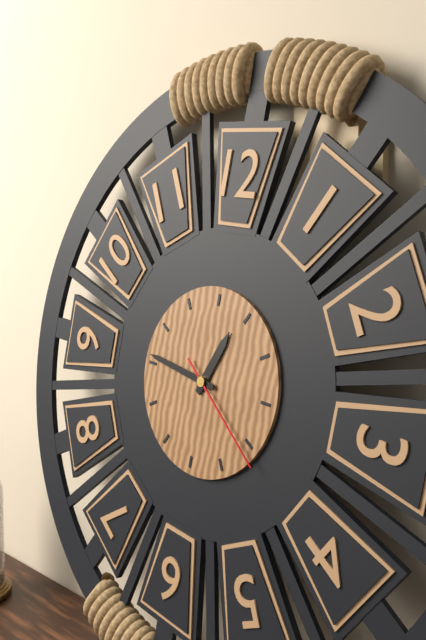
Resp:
h=12 m=46 s=21
